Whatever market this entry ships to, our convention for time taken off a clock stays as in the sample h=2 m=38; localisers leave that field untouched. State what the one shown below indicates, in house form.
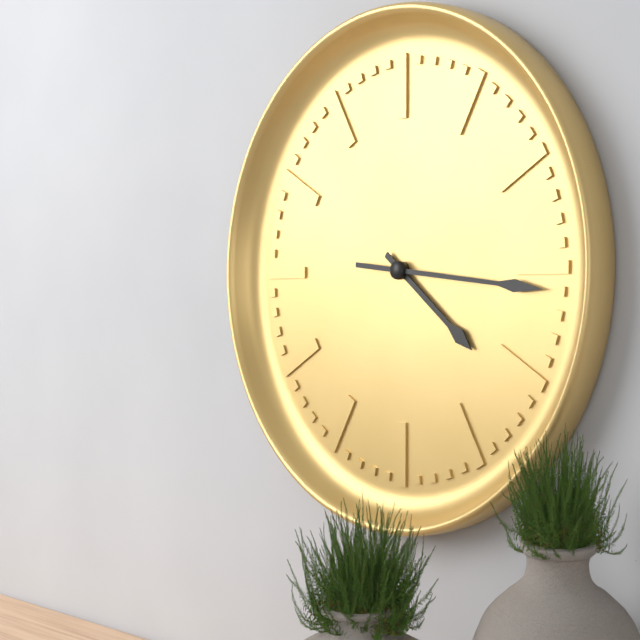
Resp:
h=4 m=16
